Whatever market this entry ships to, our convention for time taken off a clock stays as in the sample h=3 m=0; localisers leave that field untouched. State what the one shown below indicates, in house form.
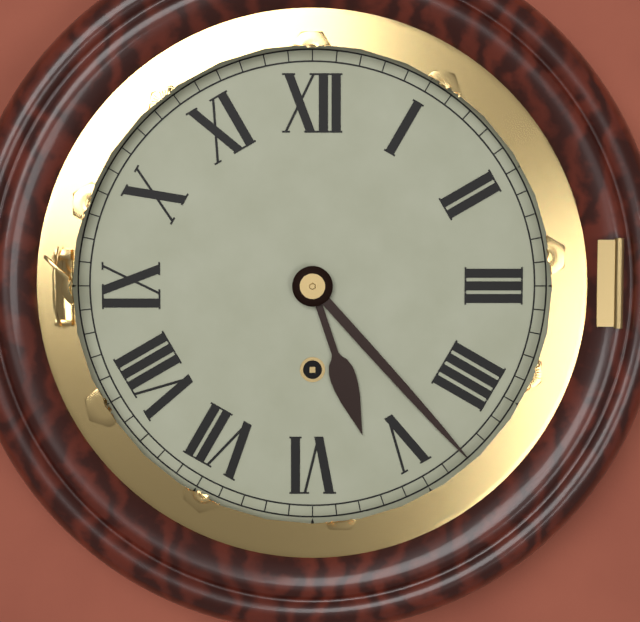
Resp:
h=5 m=23
